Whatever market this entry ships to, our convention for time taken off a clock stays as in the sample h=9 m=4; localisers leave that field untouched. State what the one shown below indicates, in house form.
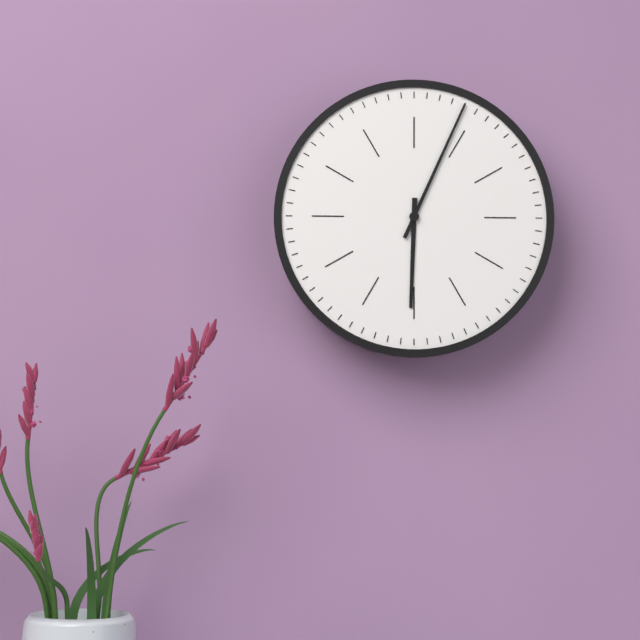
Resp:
h=6 m=4
